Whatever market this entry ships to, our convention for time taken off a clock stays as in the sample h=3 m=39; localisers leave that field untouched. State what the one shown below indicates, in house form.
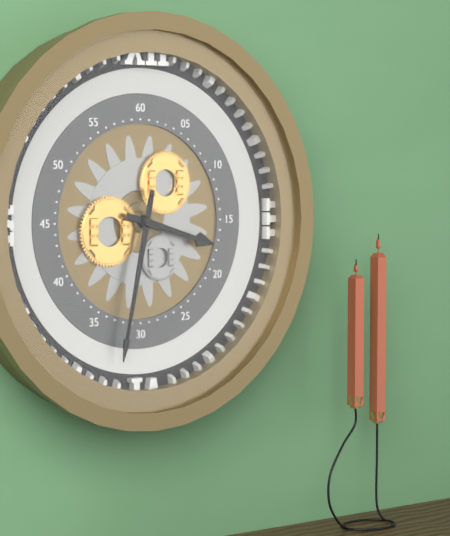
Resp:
h=3 m=32
